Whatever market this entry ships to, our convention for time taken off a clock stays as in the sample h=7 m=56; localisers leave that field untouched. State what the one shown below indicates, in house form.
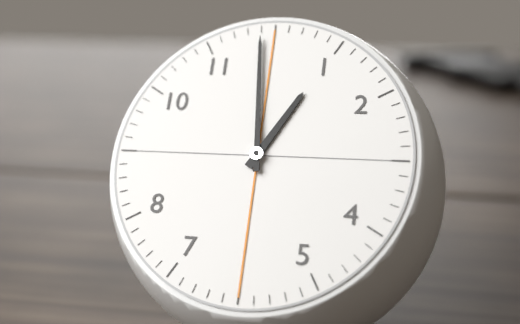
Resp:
h=12 m=59
